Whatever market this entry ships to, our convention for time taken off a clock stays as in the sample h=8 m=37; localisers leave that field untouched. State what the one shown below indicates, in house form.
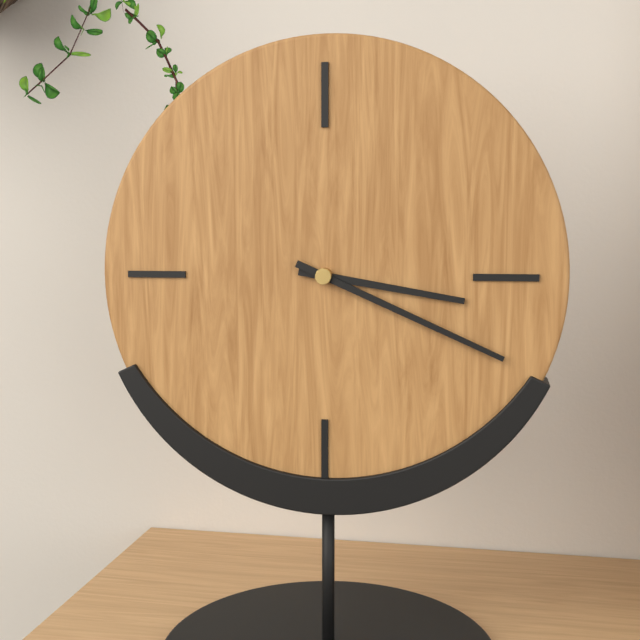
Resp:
h=3 m=19
